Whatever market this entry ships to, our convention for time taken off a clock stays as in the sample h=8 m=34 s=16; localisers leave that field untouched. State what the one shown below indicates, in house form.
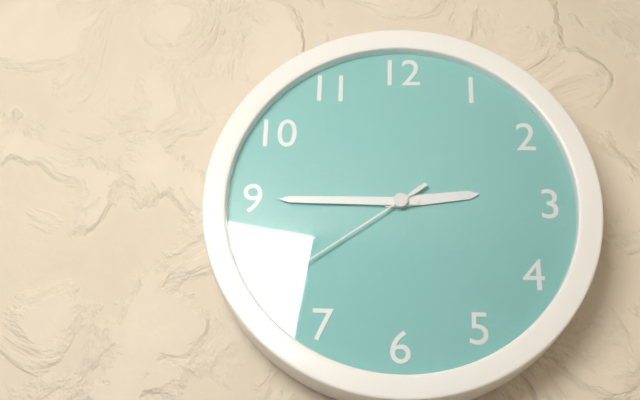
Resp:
h=2 m=45 s=39
